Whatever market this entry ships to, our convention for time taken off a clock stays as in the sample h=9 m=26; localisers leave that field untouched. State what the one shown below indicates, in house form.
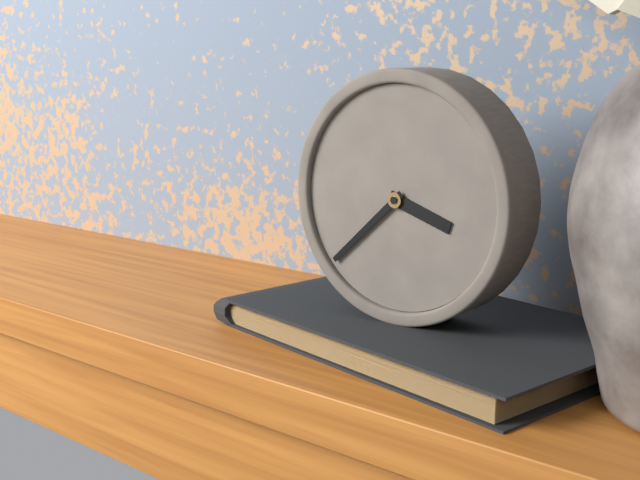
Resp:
h=3 m=38
